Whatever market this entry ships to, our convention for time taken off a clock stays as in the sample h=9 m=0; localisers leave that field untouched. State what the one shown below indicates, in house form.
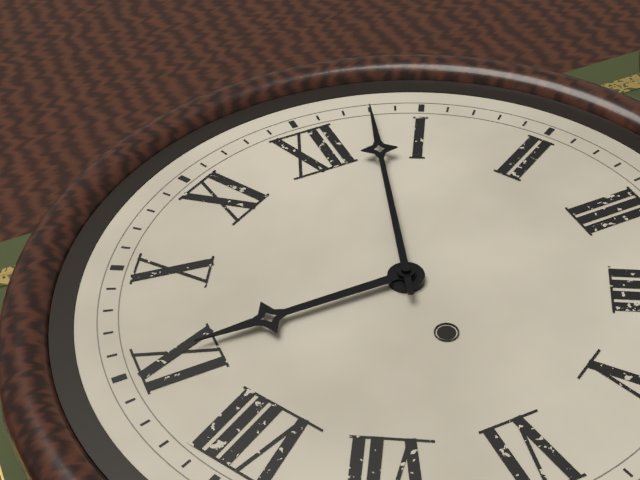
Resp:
h=9 m=3
